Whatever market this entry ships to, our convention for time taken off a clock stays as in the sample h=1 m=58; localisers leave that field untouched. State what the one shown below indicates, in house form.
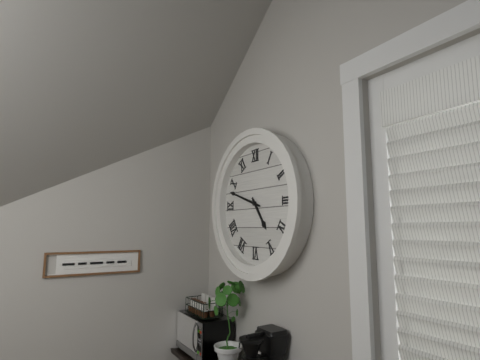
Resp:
h=4 m=48
